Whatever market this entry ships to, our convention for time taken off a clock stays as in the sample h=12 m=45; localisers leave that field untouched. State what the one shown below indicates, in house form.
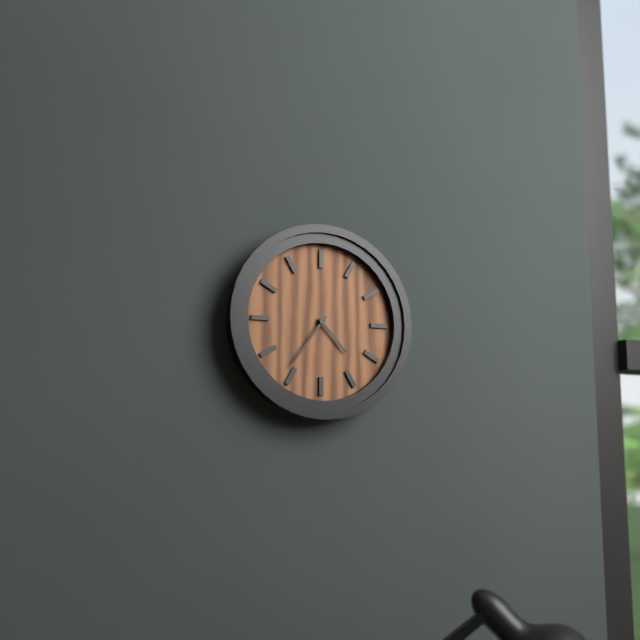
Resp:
h=4 m=36
